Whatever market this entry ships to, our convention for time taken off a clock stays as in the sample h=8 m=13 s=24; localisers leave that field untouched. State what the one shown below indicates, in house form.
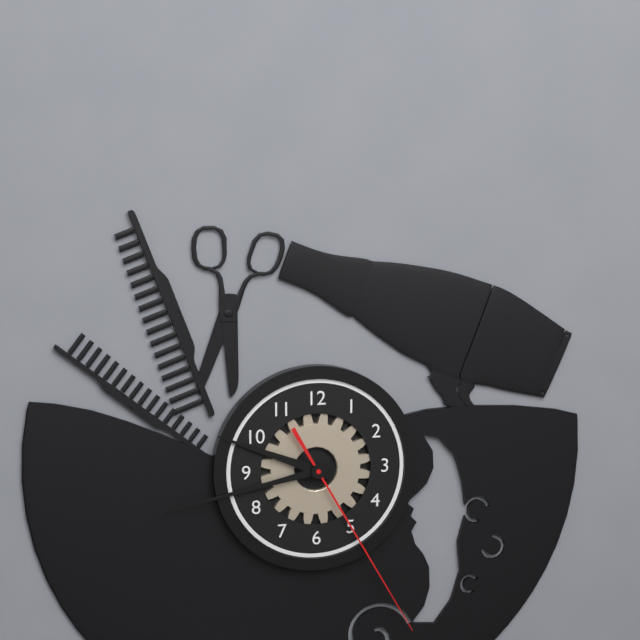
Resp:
h=9 m=43 s=25
